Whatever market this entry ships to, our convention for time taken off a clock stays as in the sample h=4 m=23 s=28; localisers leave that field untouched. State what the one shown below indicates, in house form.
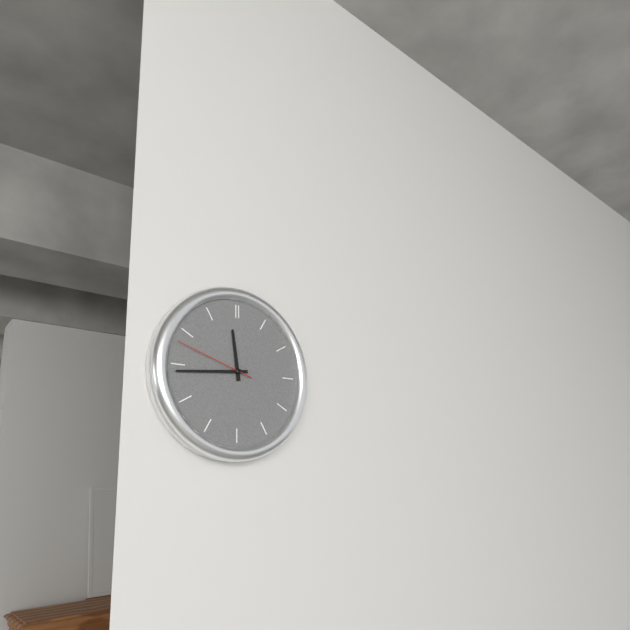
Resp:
h=11 m=44 s=48
